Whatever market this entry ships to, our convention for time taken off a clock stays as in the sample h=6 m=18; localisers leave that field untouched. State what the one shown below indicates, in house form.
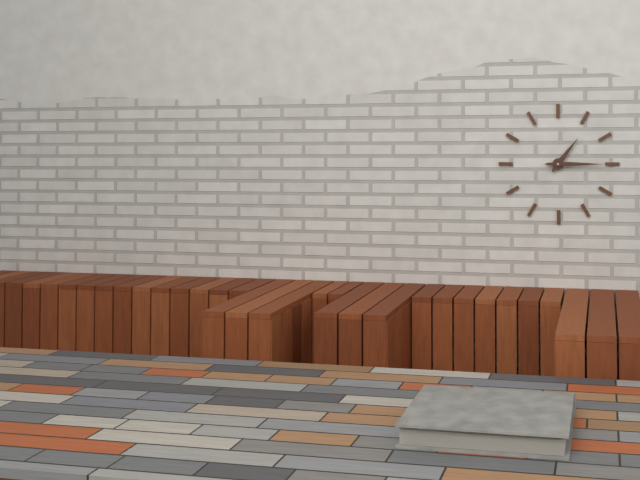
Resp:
h=1 m=15
